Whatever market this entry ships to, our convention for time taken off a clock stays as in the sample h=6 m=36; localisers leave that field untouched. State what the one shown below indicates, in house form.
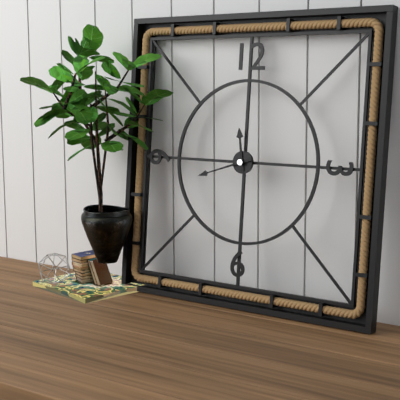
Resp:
h=11 m=42
